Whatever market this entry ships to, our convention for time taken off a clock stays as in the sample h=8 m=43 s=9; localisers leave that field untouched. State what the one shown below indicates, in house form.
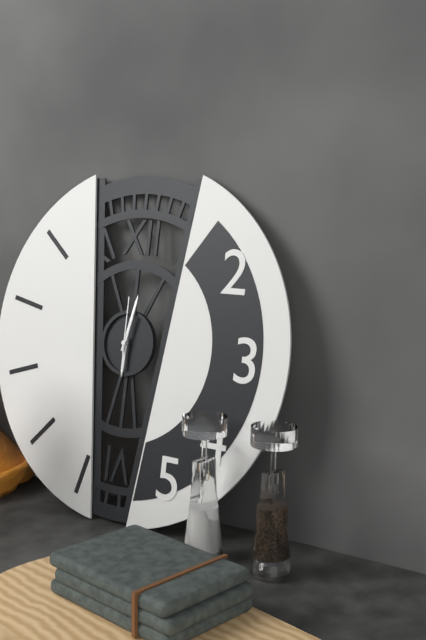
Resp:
h=6 m=2 s=0
